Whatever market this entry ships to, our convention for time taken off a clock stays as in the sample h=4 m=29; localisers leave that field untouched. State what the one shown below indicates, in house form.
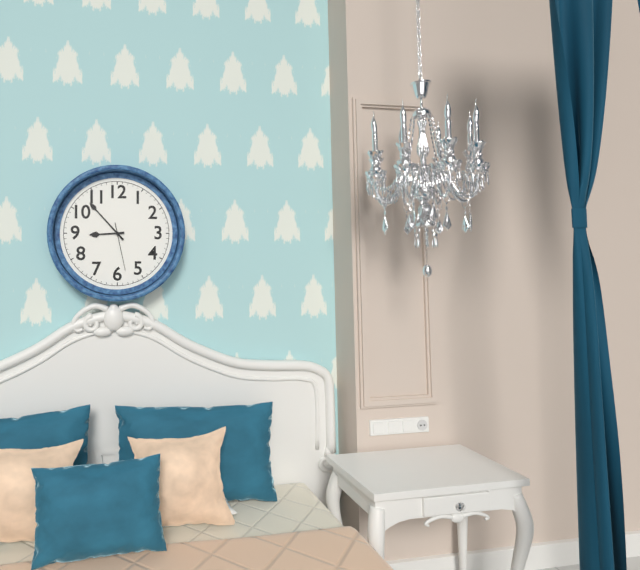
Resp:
h=8 m=53
